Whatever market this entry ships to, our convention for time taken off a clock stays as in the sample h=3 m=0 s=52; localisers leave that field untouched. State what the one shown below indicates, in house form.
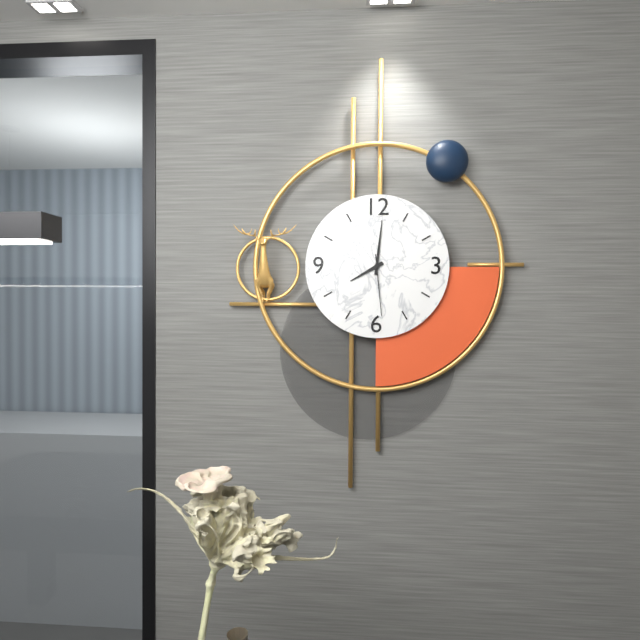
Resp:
h=8 m=1 s=29
